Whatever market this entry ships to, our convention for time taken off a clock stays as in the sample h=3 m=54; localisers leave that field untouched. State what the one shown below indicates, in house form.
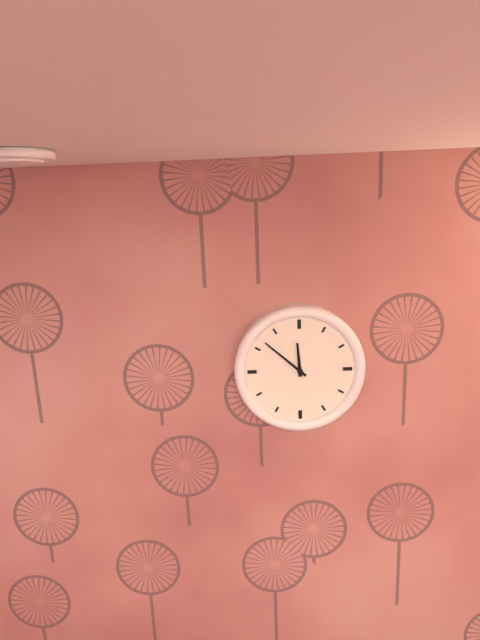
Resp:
h=11 m=52
